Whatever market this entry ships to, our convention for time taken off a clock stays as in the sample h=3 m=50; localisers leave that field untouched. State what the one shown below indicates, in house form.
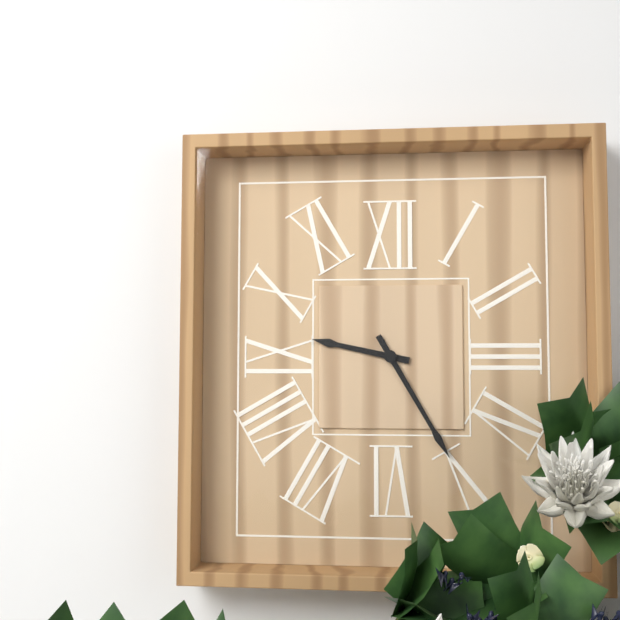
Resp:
h=9 m=25
